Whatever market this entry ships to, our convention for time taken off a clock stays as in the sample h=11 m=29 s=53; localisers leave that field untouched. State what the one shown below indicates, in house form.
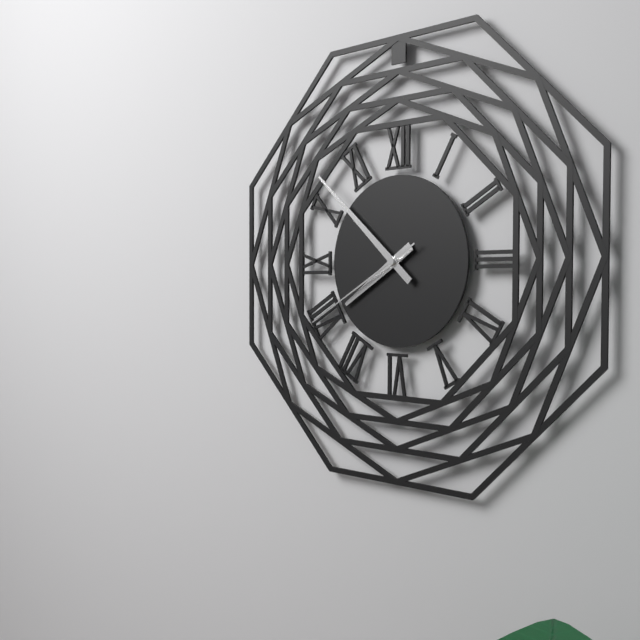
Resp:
h=7 m=52 s=40
